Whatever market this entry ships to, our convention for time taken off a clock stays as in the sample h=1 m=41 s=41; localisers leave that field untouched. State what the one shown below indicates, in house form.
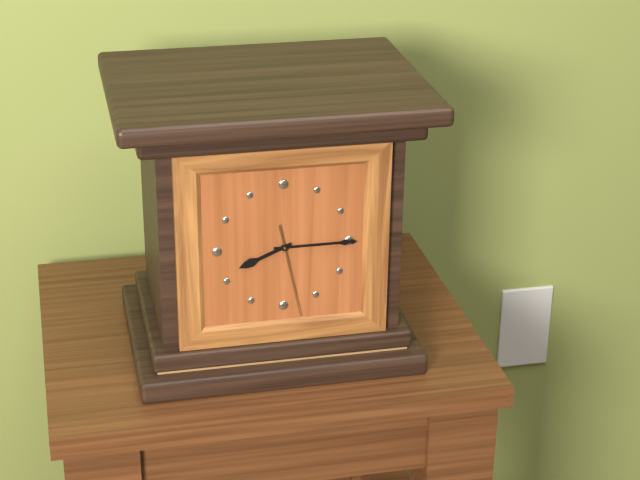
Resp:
h=8 m=15 s=28
